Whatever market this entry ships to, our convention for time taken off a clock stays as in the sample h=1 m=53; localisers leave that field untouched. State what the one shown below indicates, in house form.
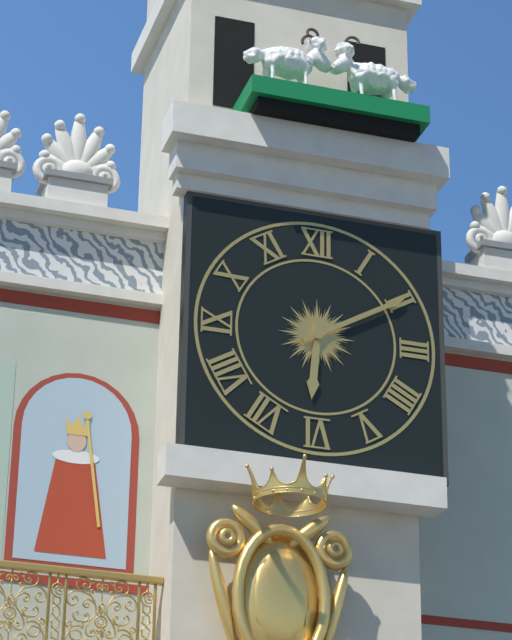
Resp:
h=6 m=10
